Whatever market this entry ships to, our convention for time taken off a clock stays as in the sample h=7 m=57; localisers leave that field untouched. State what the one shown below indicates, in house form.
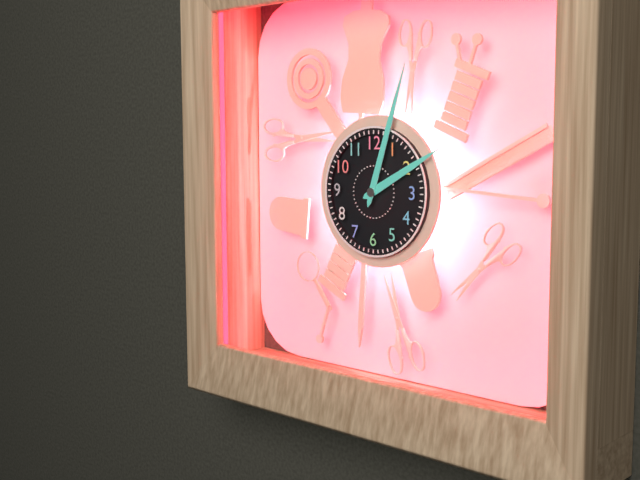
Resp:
h=2 m=3
